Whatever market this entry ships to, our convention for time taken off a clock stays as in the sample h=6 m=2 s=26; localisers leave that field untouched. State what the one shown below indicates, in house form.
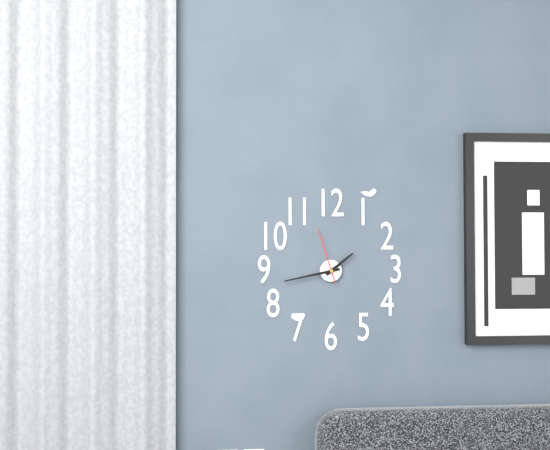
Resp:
h=1 m=43 s=57
